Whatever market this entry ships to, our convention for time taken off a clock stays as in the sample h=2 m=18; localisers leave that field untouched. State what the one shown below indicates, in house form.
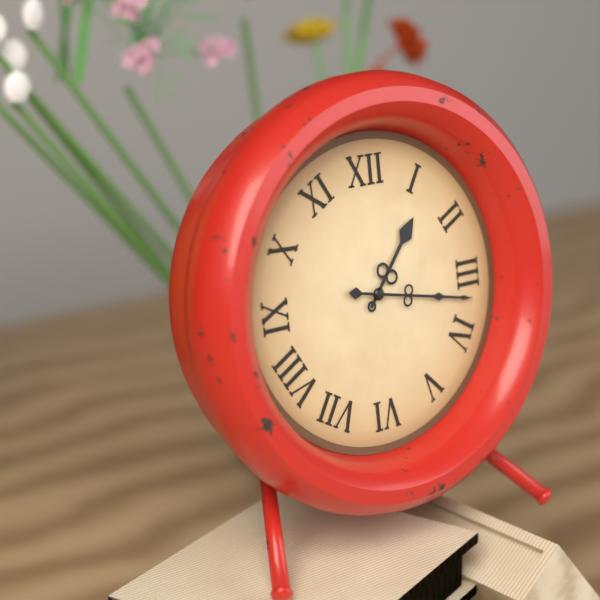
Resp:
h=1 m=17
